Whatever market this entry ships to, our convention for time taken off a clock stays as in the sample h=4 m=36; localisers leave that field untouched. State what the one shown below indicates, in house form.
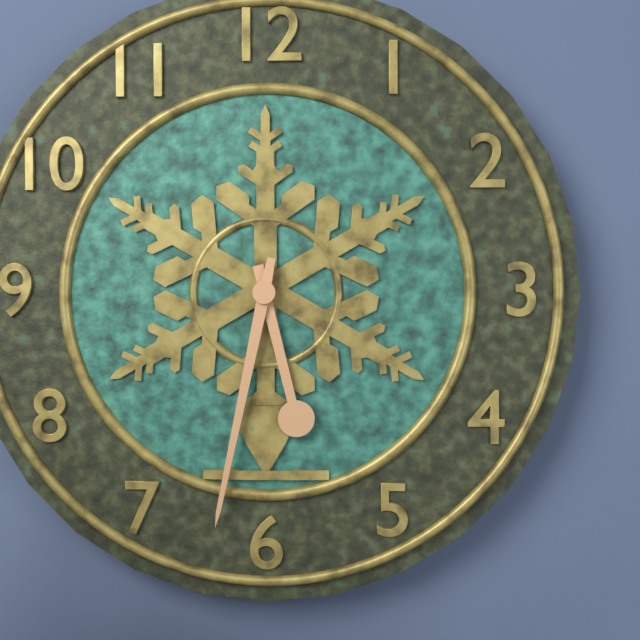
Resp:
h=5 m=32
